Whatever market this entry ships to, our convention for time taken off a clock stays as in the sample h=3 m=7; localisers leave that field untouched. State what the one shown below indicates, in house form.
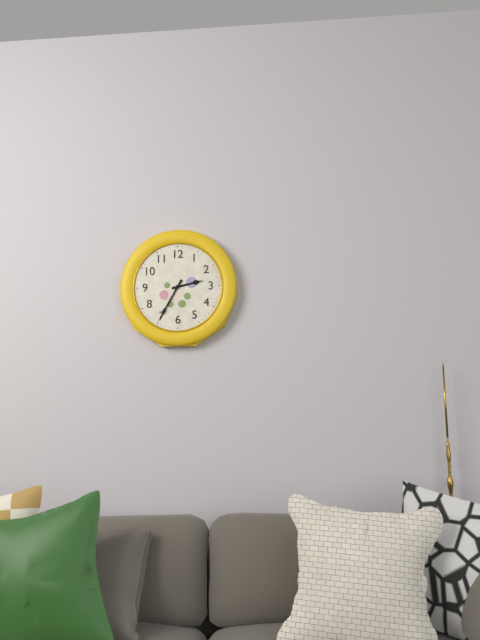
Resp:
h=2 m=35
